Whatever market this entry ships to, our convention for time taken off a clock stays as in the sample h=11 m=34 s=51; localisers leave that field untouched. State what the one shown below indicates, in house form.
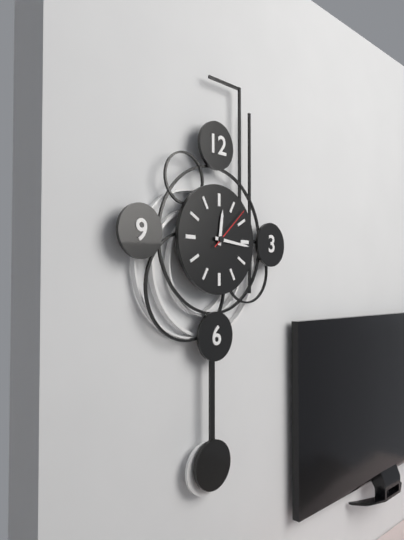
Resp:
h=12 m=16 s=8
